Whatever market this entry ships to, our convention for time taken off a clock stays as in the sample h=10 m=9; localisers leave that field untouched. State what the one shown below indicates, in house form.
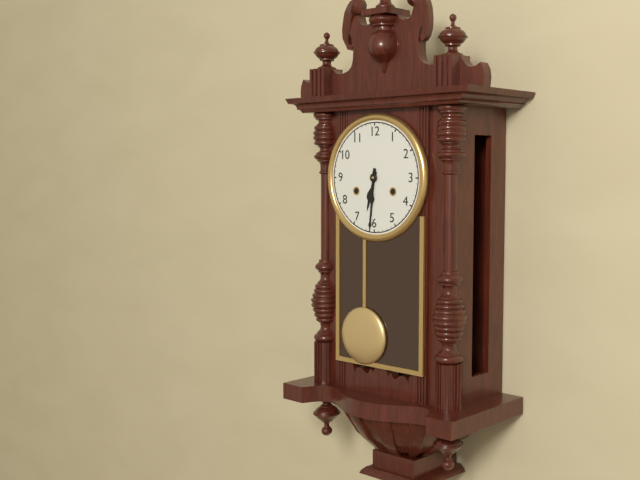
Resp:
h=6 m=31
